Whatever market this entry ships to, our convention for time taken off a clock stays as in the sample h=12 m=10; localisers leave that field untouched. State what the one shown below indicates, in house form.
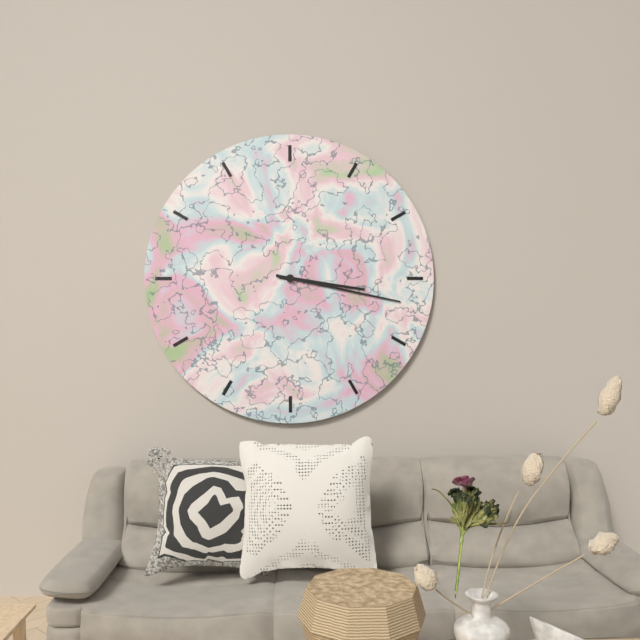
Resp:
h=3 m=17
